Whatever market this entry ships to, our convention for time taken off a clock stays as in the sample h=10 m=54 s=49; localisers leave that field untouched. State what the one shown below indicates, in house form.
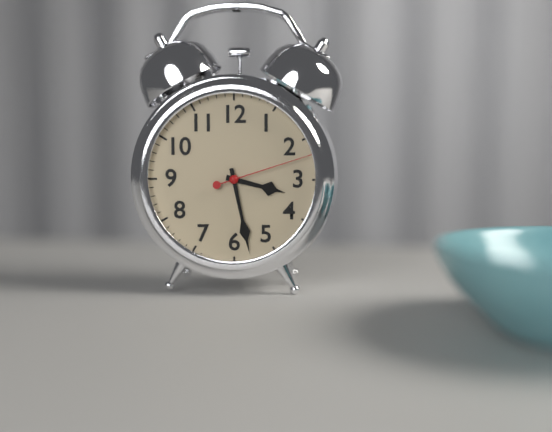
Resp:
h=3 m=28 s=12
